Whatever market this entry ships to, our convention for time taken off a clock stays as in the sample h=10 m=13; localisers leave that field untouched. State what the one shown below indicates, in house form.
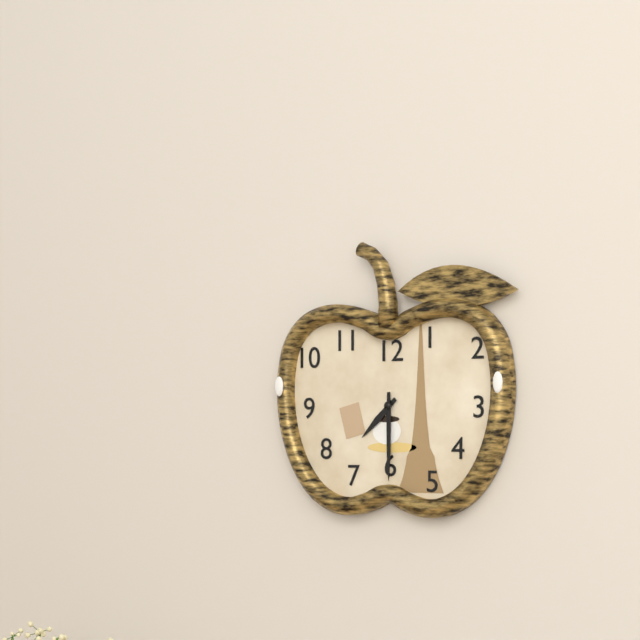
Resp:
h=7 m=30
